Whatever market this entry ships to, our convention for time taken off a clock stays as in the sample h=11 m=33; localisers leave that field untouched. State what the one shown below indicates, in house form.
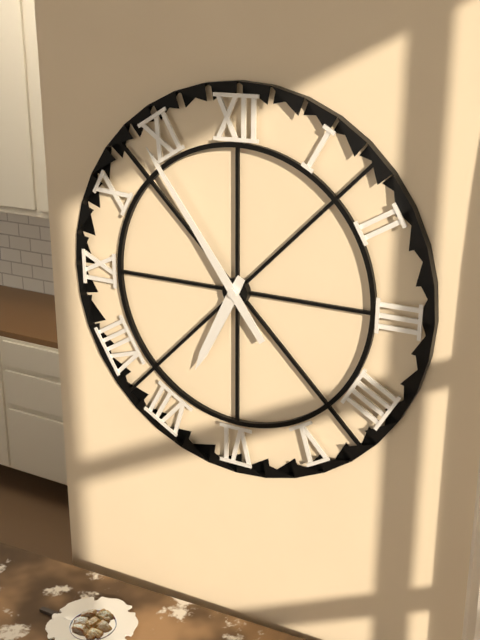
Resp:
h=6 m=54
